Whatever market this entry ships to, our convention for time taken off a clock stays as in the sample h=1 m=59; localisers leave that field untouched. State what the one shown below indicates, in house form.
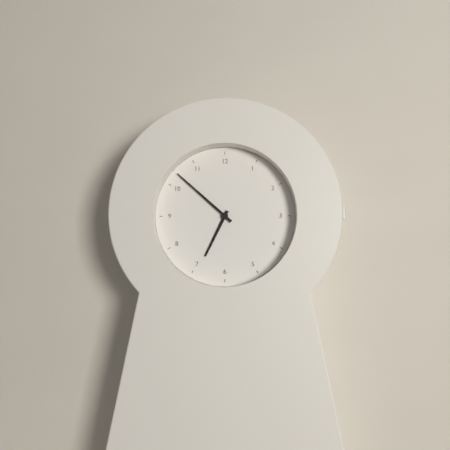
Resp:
h=6 m=52
